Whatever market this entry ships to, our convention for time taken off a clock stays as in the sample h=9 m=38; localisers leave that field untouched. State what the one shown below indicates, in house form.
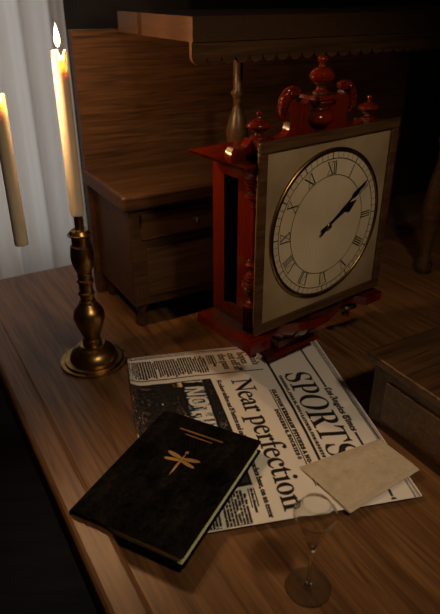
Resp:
h=2 m=9
